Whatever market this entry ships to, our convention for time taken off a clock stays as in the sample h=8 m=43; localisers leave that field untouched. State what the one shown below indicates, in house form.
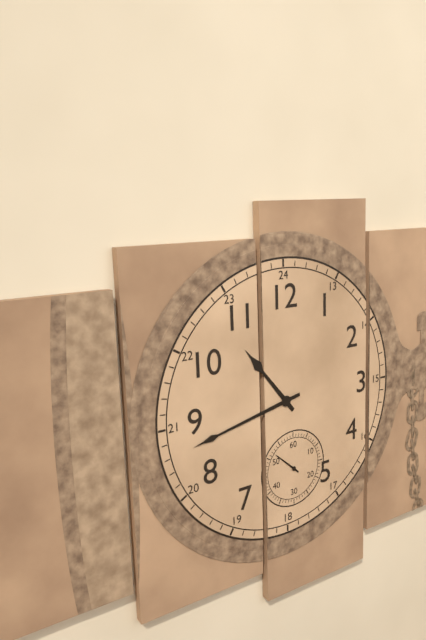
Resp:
h=10 m=43
